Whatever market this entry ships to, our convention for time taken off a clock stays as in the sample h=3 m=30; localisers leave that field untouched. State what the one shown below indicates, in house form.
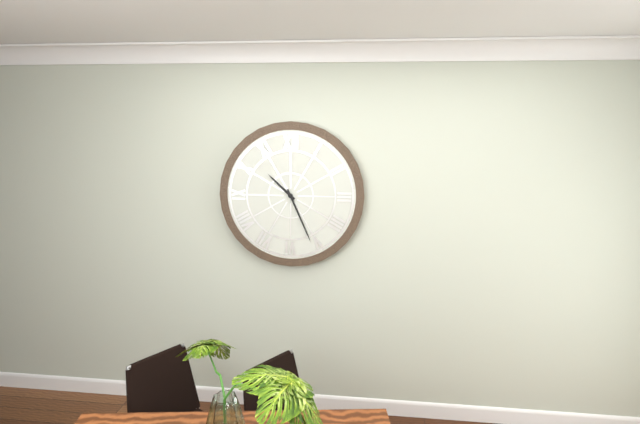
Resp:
h=10 m=26
